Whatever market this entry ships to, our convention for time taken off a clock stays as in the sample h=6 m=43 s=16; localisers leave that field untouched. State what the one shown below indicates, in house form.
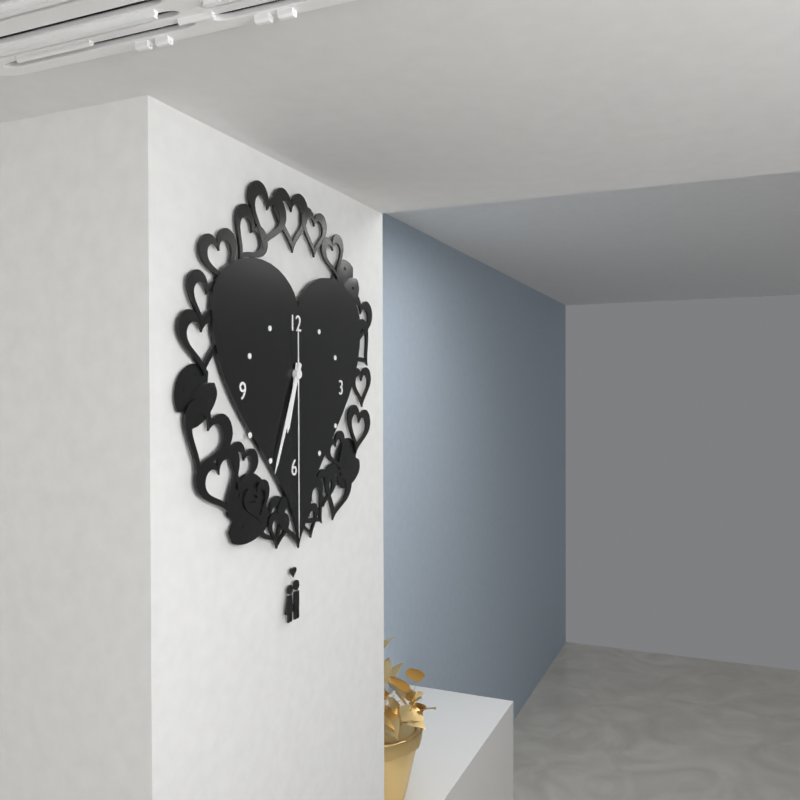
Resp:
h=6 m=34 s=30
